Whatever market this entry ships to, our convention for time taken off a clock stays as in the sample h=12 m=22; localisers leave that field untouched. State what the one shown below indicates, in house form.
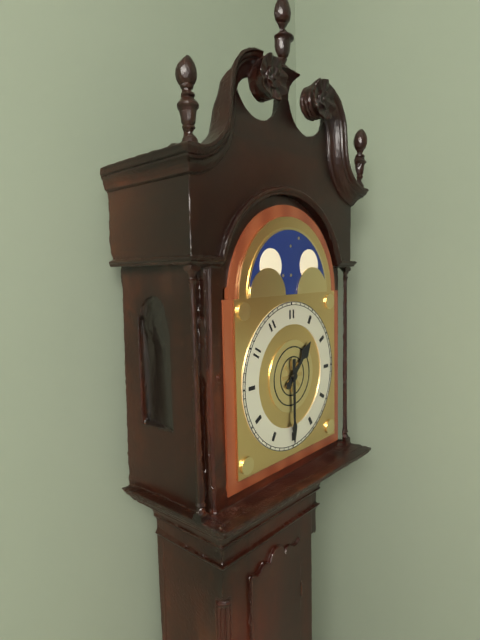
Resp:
h=1 m=30
